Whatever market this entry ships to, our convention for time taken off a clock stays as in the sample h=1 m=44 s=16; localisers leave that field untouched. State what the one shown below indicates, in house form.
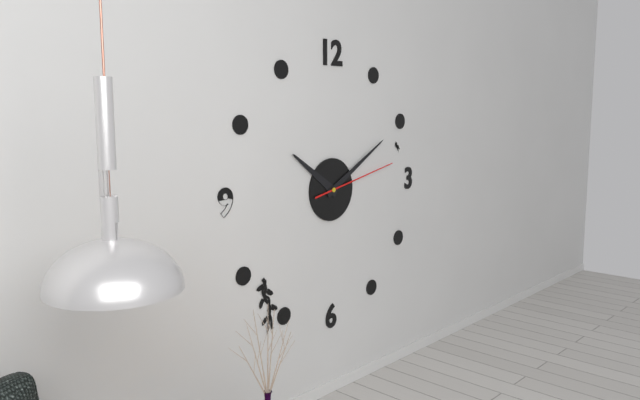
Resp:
h=10 m=10 s=13
